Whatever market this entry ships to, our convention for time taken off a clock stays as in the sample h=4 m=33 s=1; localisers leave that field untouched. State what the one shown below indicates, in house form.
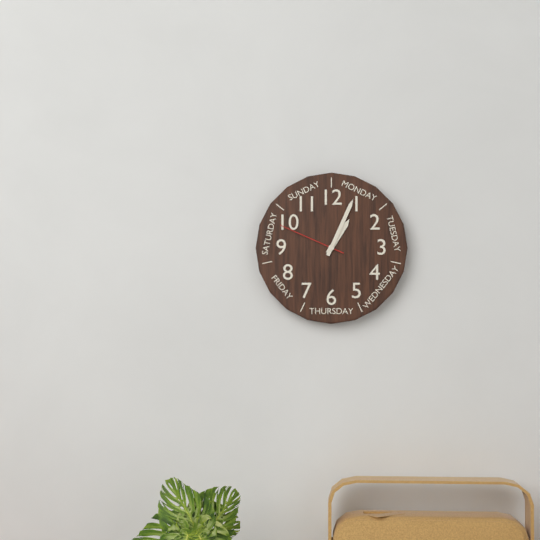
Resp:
h=1 m=4 s=49
